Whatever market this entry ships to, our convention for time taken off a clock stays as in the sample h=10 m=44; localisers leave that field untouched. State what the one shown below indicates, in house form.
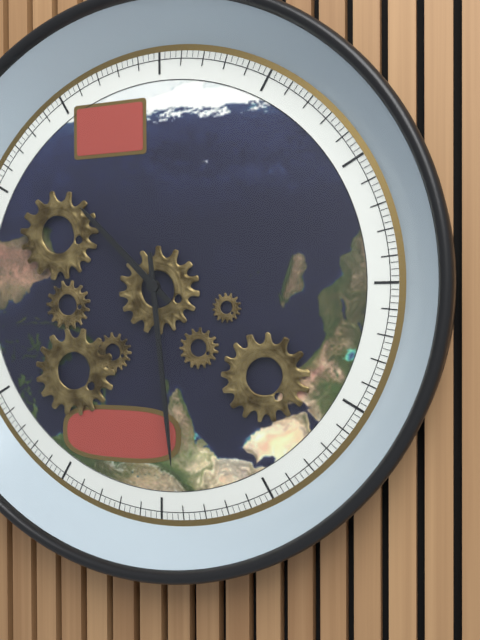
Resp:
h=10 m=29
